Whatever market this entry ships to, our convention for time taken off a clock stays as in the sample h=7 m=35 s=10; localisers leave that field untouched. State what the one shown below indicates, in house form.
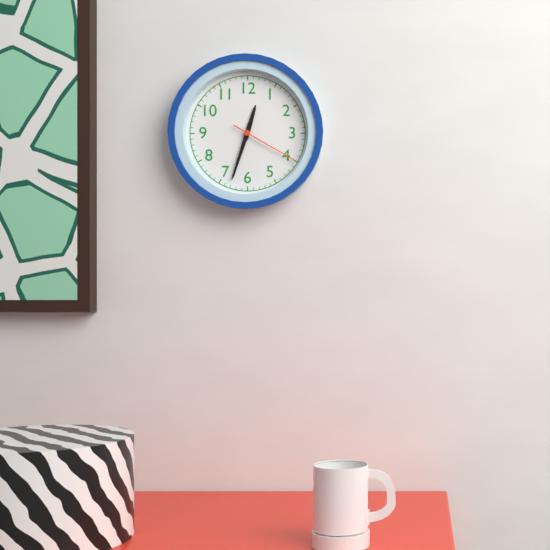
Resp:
h=12 m=33 s=20
